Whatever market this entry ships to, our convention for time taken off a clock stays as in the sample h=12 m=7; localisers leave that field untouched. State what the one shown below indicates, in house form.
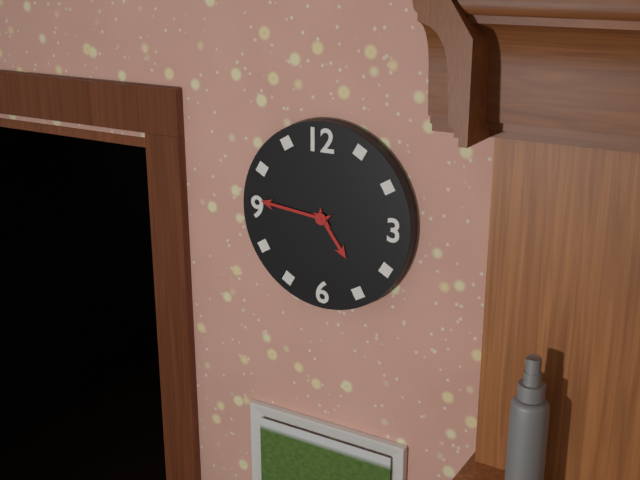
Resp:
h=4 m=46
